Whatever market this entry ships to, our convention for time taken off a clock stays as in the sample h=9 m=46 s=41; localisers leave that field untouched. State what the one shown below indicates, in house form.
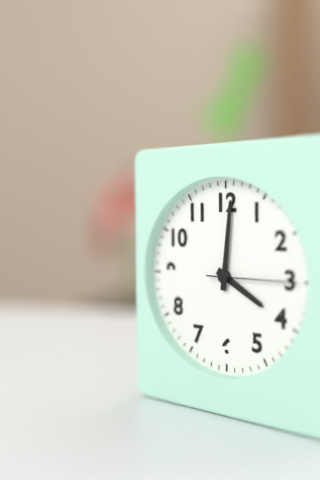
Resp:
h=4 m=1 s=15
